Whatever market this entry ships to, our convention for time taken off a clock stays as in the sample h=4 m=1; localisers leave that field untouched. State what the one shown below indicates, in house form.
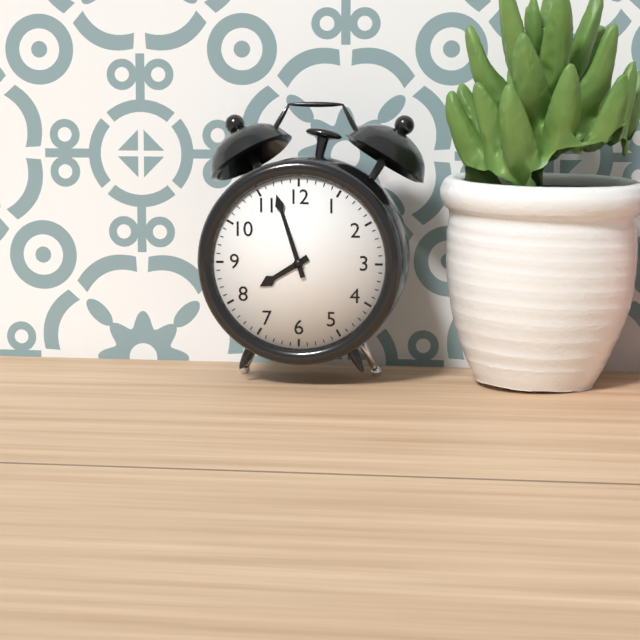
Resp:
h=7 m=57
